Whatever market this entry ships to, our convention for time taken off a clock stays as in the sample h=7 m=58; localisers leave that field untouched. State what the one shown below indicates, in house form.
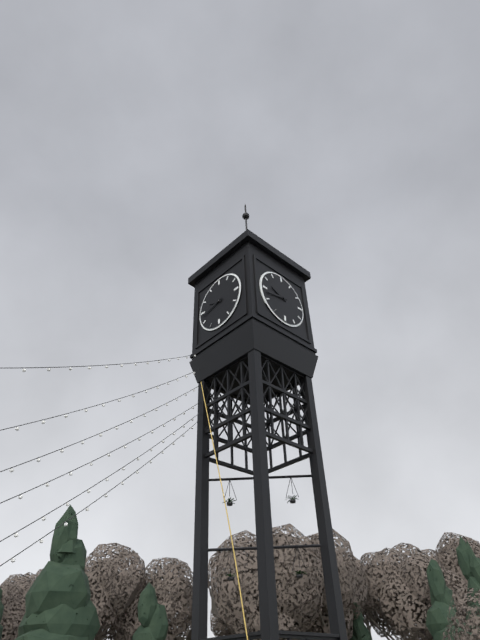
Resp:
h=9 m=43
